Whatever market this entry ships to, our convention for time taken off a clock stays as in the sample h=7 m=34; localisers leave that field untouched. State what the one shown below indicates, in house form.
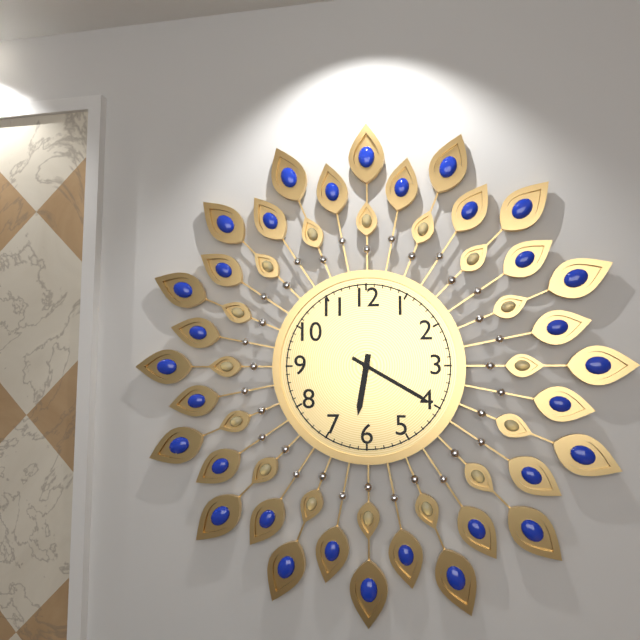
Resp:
h=6 m=20
